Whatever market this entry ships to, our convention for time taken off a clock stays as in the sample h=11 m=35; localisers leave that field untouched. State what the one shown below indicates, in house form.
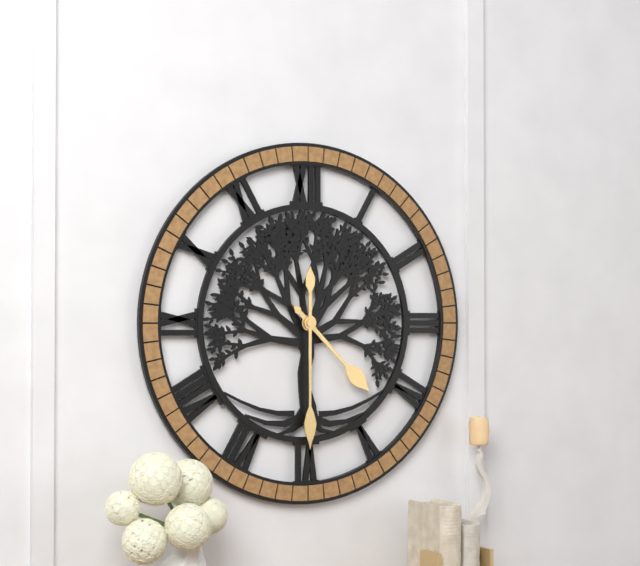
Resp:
h=4 m=30
